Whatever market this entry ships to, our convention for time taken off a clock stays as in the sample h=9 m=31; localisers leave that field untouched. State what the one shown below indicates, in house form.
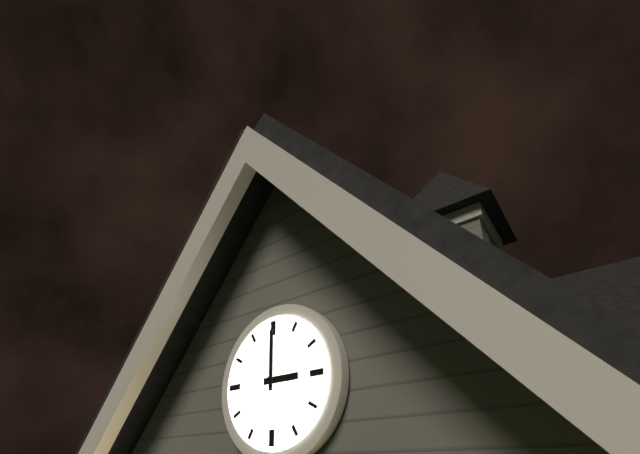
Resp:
h=3 m=0
